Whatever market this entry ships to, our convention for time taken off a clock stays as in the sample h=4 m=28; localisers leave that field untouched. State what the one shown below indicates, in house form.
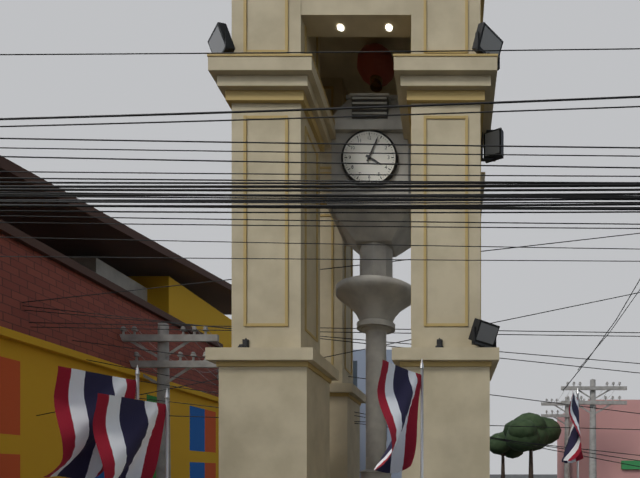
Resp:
h=4 m=4
